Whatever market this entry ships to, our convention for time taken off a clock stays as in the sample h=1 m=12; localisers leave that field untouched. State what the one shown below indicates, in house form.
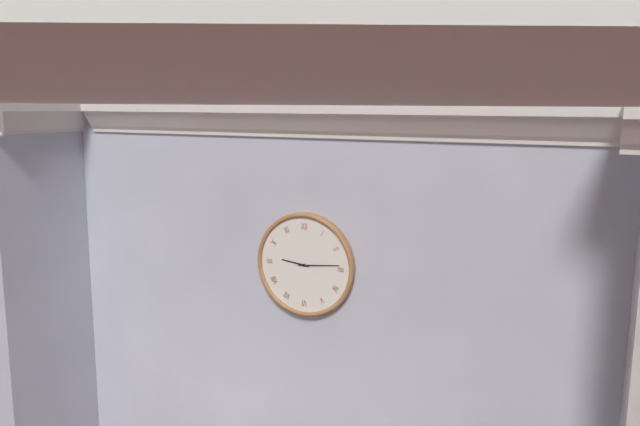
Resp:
h=9 m=14
